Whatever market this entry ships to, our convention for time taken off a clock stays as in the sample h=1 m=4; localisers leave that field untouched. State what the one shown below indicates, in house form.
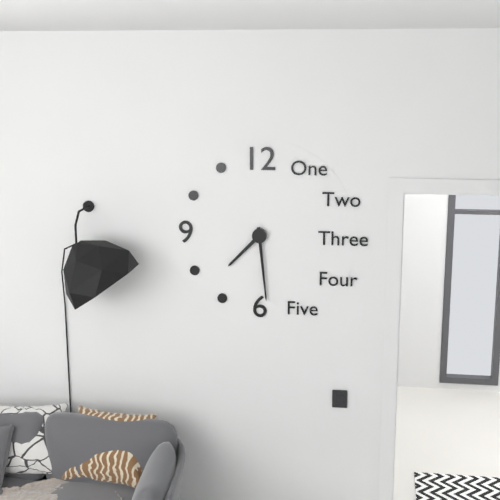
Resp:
h=7 m=29
